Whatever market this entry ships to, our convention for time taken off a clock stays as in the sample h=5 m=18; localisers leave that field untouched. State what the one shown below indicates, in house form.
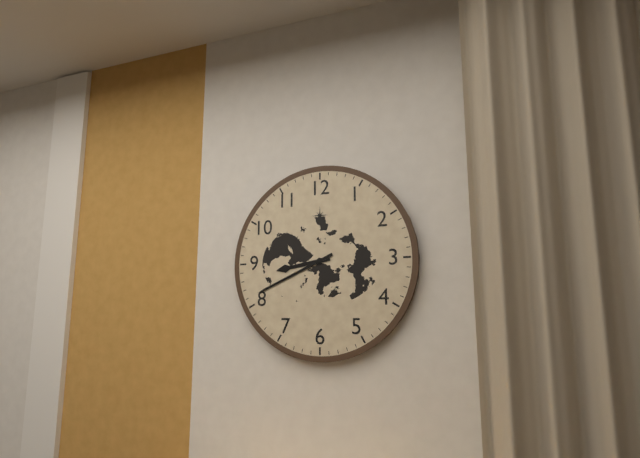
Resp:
h=8 m=41
